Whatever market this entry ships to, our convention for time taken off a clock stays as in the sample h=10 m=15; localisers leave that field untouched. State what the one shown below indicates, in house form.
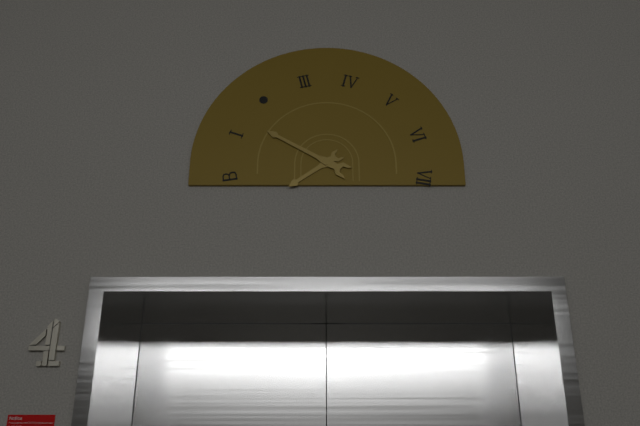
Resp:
h=7 m=50
